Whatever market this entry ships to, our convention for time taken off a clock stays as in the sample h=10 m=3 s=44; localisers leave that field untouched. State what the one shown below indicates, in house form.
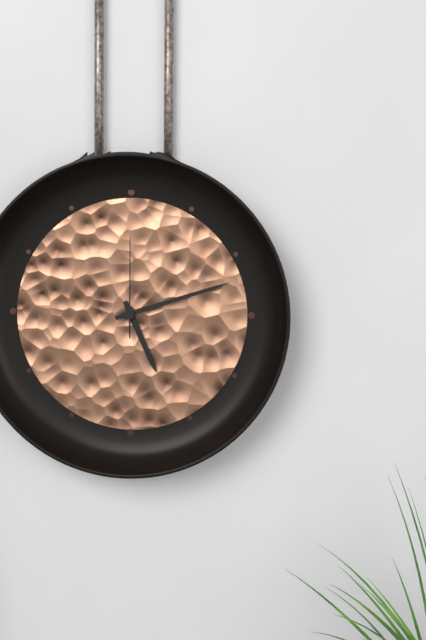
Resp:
h=5 m=12 s=0
